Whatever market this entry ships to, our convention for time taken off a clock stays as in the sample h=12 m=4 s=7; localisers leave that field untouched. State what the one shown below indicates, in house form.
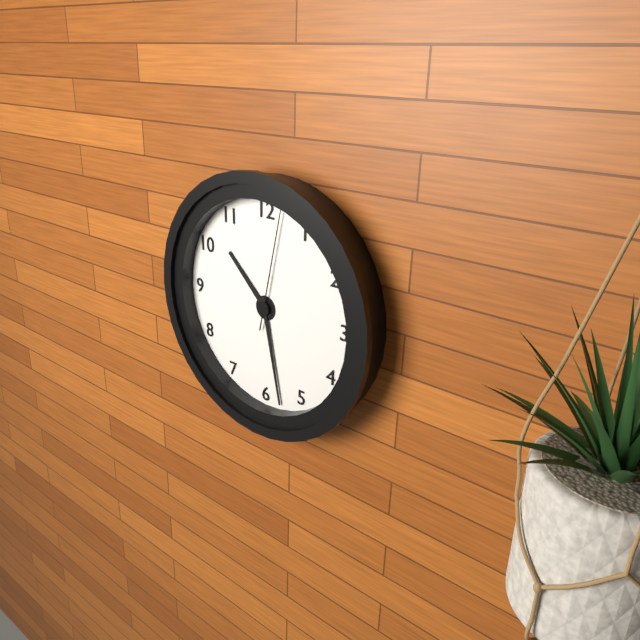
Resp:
h=10 m=28 s=2
